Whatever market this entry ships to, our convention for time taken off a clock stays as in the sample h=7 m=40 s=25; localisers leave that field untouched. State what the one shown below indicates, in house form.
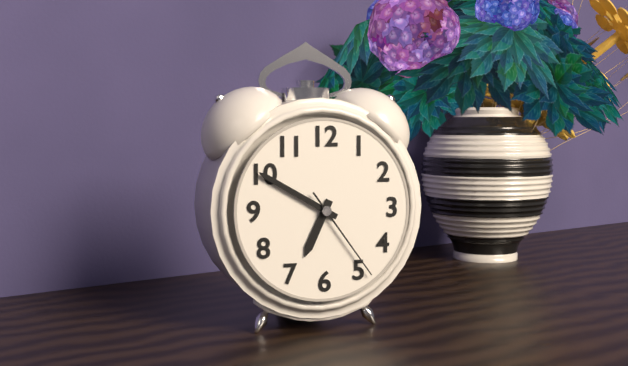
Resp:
h=6 m=50 s=24
